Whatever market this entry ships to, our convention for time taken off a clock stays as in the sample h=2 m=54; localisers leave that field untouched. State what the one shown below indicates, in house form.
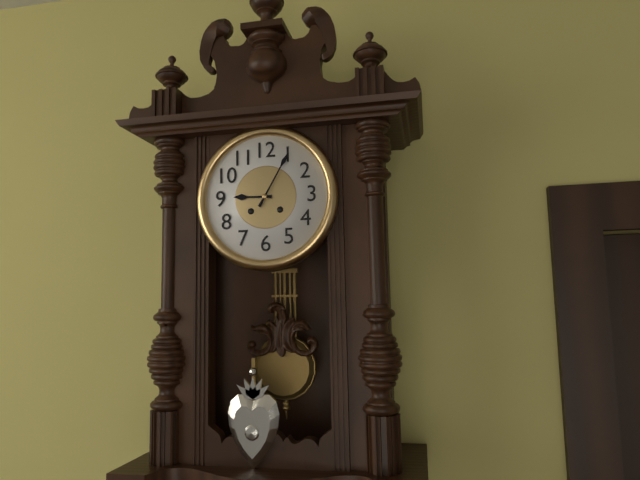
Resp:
h=9 m=5
